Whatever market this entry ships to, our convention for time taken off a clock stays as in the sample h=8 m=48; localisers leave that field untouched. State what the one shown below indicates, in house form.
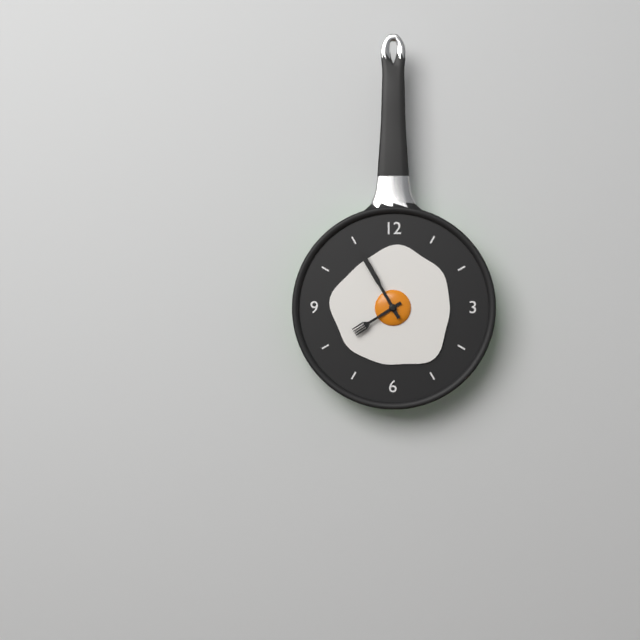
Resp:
h=7 m=55
